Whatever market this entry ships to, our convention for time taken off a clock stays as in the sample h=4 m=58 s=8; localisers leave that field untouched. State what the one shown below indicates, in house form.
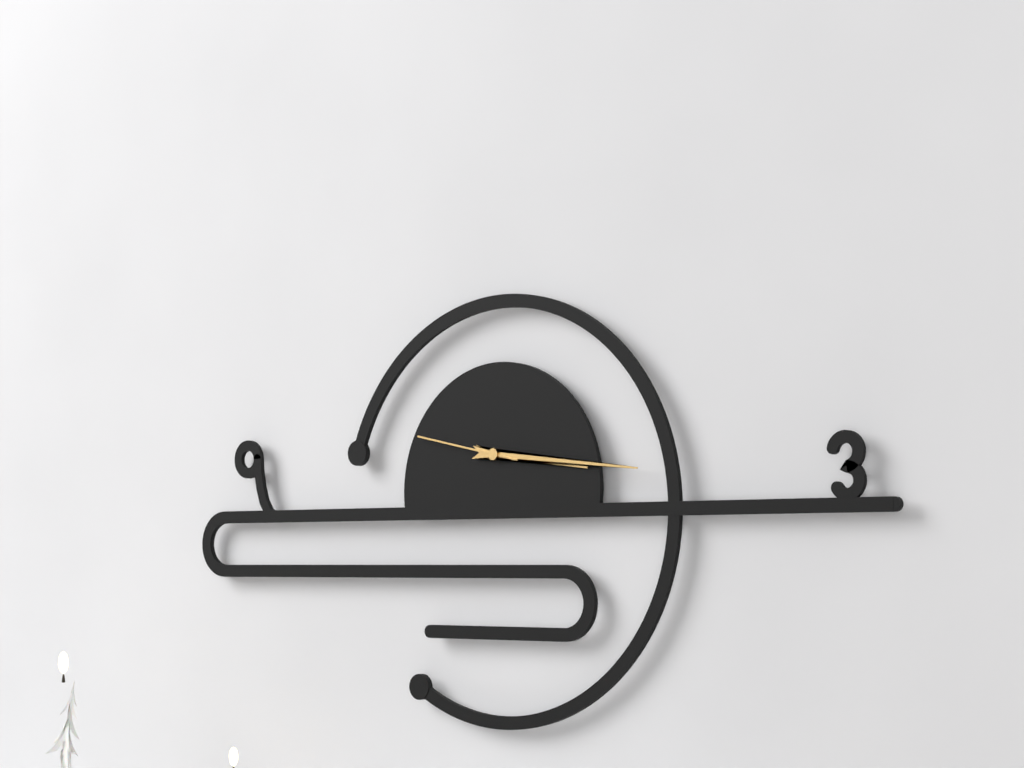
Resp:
h=3 m=16 s=47
